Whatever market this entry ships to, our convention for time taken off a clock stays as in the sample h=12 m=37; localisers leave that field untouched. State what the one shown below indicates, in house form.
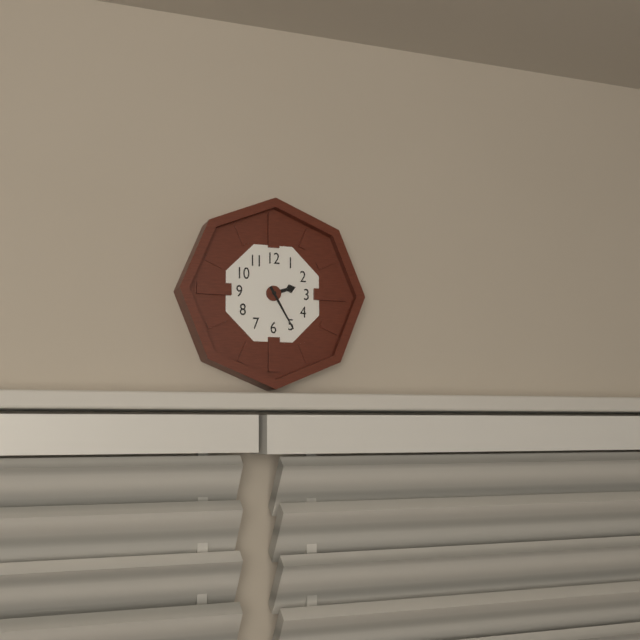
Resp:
h=2 m=25
